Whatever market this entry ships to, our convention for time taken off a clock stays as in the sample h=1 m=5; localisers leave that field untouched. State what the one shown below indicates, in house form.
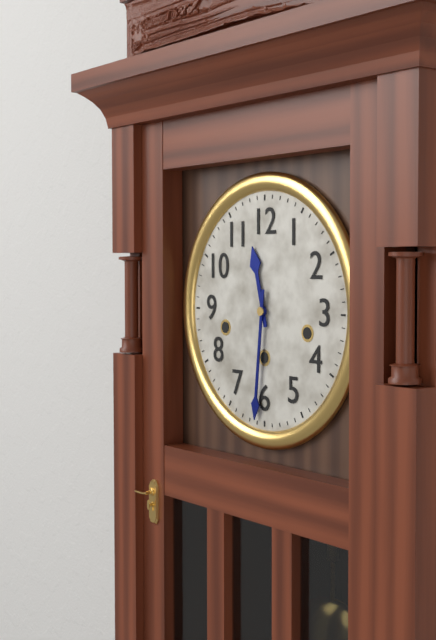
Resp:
h=11 m=31
